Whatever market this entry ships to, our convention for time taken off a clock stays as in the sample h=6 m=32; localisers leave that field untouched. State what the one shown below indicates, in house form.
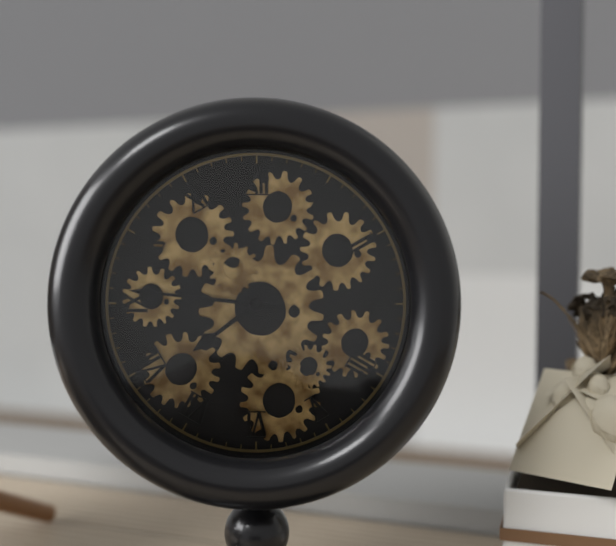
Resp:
h=7 m=46
